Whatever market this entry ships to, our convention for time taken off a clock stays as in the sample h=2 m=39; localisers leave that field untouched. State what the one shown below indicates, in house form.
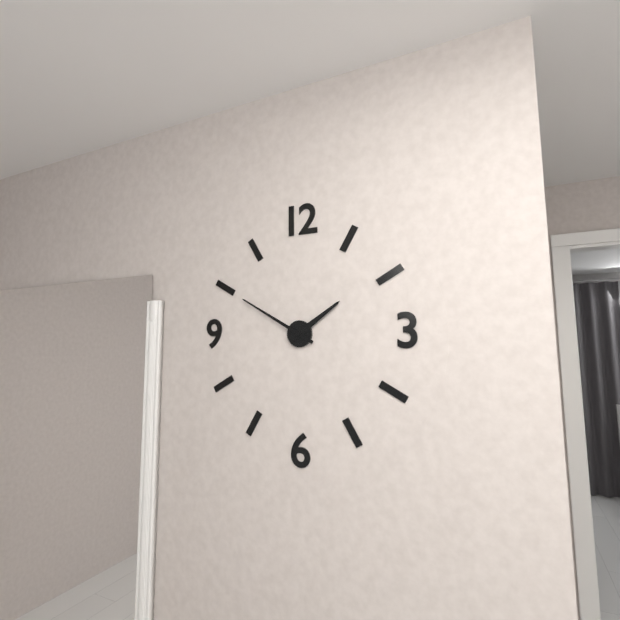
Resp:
h=1 m=50
